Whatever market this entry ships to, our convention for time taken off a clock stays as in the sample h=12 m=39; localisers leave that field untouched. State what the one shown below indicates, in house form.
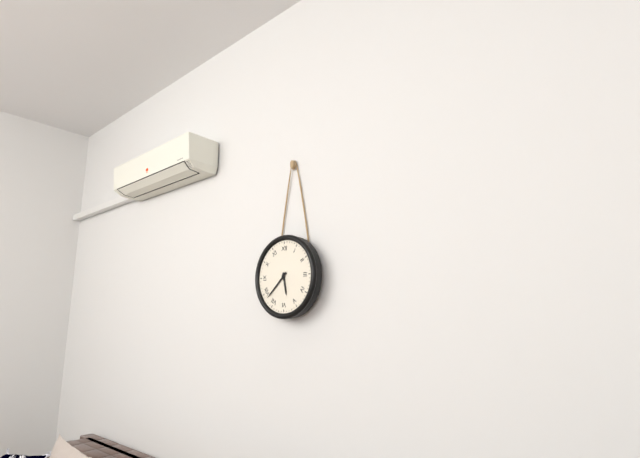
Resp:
h=5 m=38
